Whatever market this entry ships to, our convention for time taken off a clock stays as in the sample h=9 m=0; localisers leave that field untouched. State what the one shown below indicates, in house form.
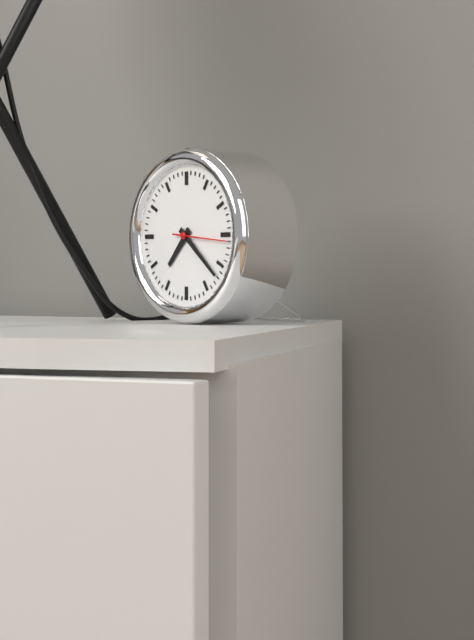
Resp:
h=7 m=22
